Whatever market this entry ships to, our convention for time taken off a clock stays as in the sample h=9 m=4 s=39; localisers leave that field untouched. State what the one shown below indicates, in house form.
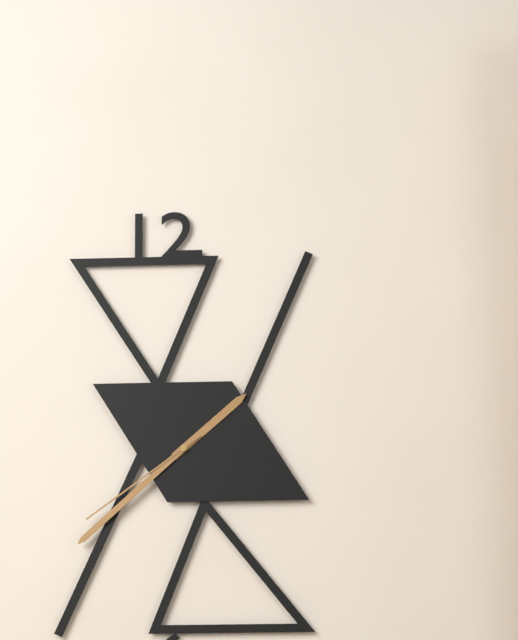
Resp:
h=1 m=38 s=39
